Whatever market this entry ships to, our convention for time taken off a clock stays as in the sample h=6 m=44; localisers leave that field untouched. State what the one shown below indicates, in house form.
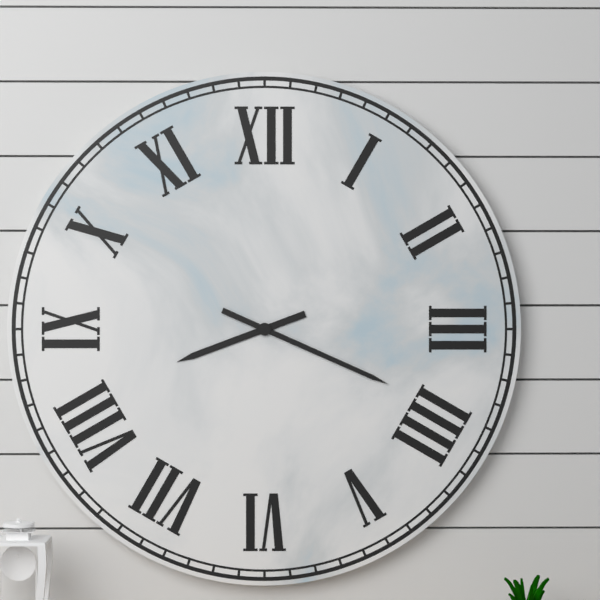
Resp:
h=8 m=19
